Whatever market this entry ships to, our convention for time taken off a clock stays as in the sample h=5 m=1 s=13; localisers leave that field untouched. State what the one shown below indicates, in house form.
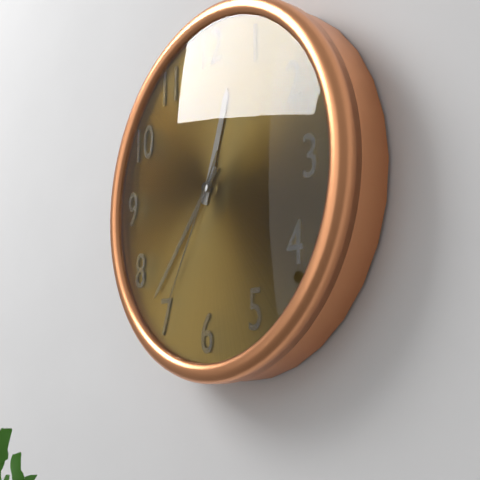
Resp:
h=12 m=37 s=35
